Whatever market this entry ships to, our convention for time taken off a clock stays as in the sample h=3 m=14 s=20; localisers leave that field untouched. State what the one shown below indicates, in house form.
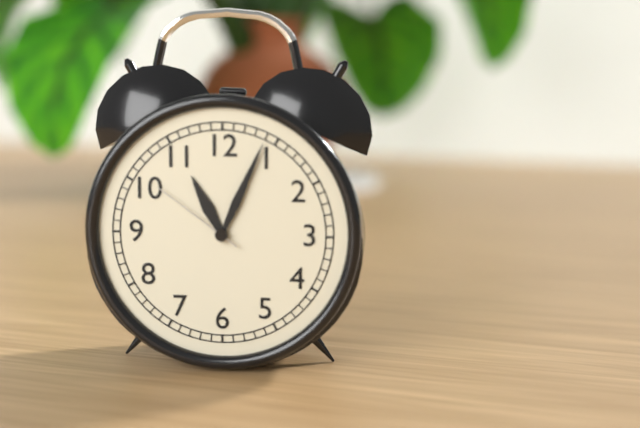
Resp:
h=11 m=4 s=51
